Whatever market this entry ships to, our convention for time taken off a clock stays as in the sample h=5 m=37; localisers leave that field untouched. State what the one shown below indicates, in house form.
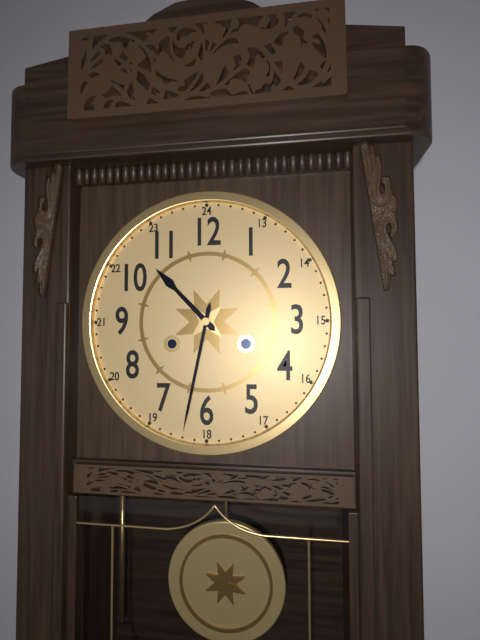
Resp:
h=10 m=32
